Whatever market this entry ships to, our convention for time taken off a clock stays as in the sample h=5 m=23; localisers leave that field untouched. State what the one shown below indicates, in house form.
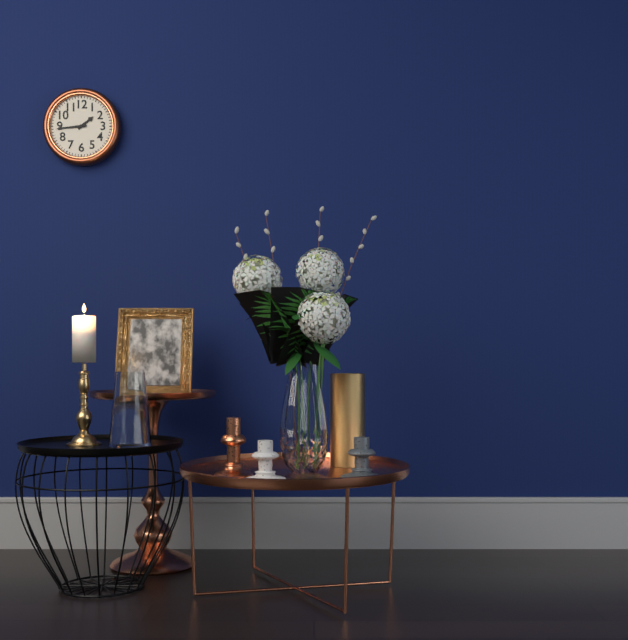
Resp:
h=1 m=44
